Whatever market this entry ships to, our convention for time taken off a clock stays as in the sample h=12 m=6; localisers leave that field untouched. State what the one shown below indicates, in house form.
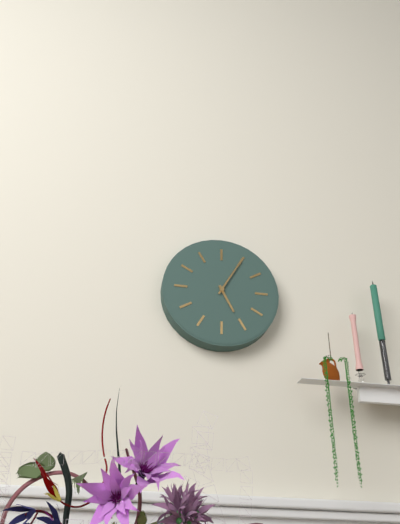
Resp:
h=5 m=5
